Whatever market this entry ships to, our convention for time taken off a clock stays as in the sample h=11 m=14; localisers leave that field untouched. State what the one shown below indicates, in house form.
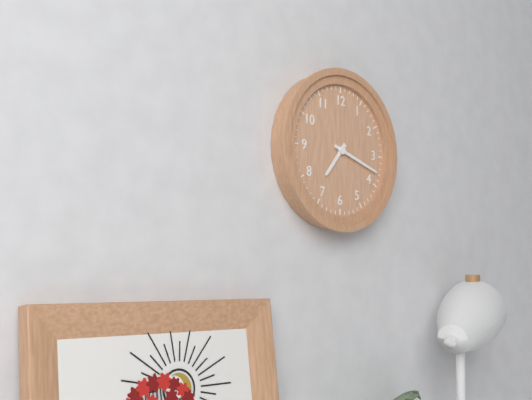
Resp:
h=7 m=18
